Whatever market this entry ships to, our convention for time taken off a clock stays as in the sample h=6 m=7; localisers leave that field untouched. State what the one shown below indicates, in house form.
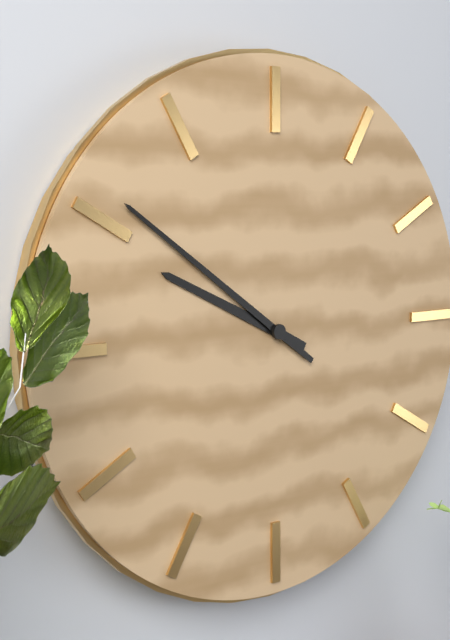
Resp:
h=9 m=51
